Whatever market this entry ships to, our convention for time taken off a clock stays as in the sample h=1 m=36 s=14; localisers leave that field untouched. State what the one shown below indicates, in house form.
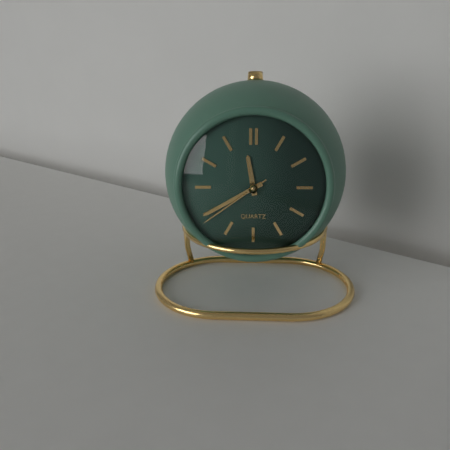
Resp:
h=11 m=40 s=39
